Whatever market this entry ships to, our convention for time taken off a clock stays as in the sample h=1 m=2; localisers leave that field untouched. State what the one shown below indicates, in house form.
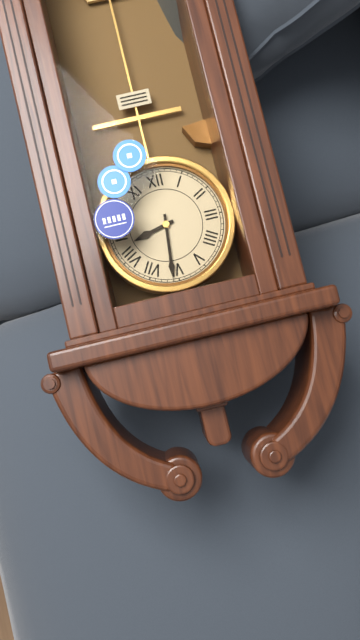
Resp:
h=8 m=31
